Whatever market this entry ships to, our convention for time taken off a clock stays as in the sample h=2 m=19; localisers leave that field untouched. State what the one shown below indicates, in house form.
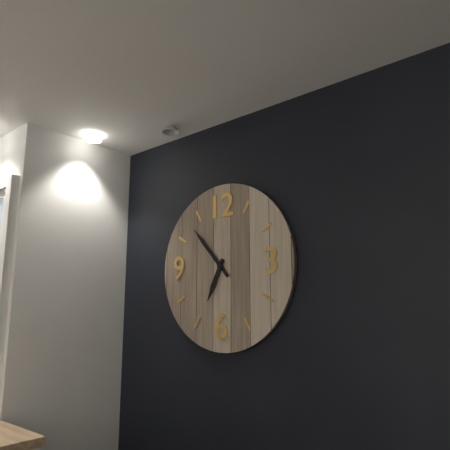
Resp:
h=6 m=53
